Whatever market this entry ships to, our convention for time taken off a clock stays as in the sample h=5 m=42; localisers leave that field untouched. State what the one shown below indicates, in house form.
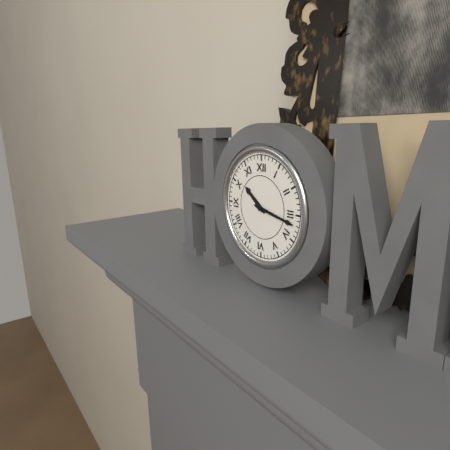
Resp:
h=10 m=17
